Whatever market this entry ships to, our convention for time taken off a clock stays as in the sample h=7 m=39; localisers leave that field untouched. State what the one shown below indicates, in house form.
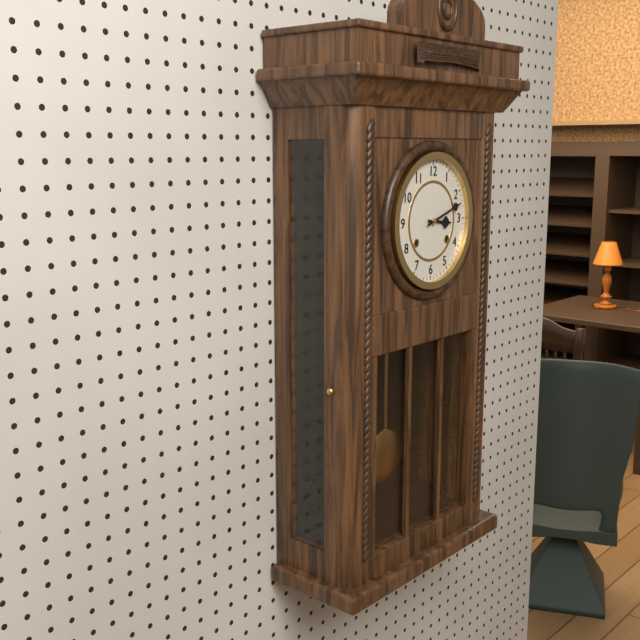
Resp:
h=3 m=12
